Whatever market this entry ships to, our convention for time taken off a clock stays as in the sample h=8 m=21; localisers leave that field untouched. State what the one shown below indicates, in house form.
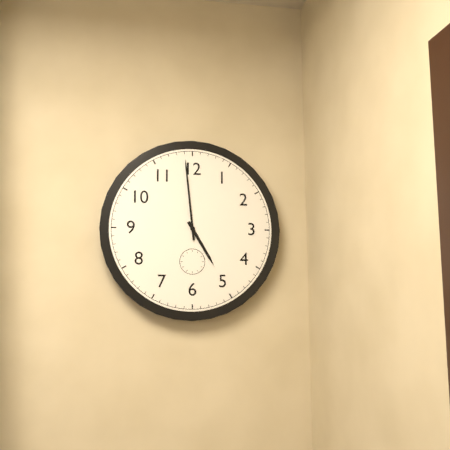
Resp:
h=4 m=59
